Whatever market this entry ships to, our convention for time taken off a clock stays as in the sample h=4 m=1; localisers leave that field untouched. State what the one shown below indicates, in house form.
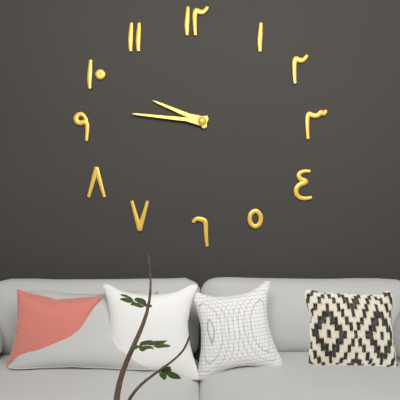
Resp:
h=9 m=46
